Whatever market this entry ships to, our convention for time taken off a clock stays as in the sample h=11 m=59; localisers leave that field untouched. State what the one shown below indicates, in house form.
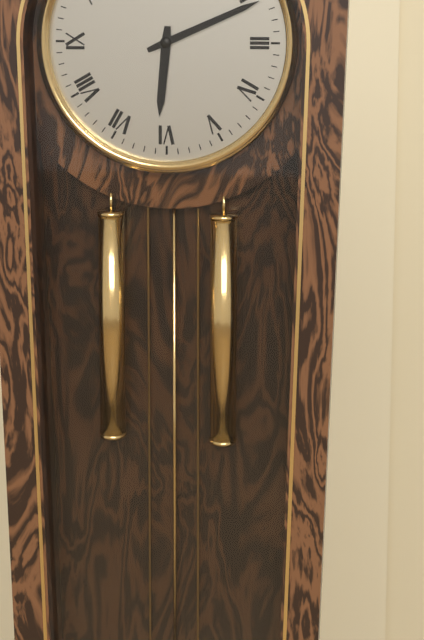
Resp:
h=6 m=11
